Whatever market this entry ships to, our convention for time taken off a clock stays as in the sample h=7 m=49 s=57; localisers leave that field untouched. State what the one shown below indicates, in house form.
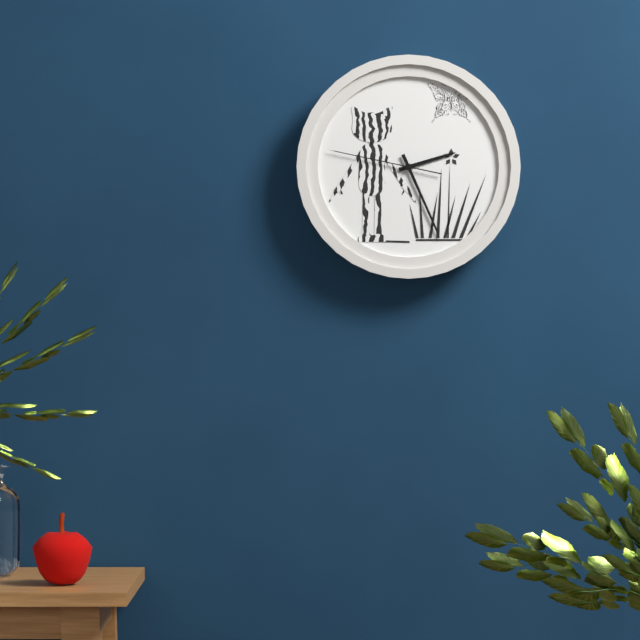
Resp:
h=2 m=26 s=47
